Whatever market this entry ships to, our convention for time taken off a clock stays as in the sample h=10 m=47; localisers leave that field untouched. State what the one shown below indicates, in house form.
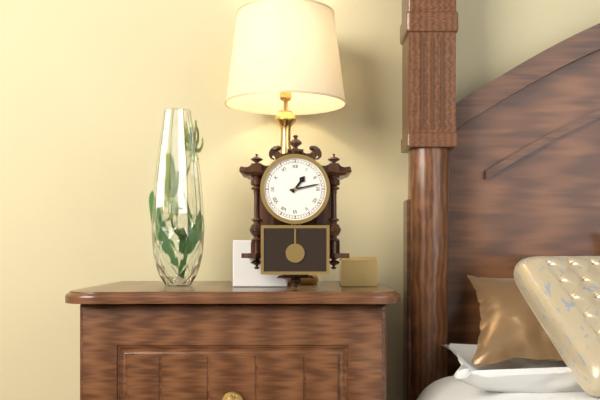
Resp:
h=1 m=13
